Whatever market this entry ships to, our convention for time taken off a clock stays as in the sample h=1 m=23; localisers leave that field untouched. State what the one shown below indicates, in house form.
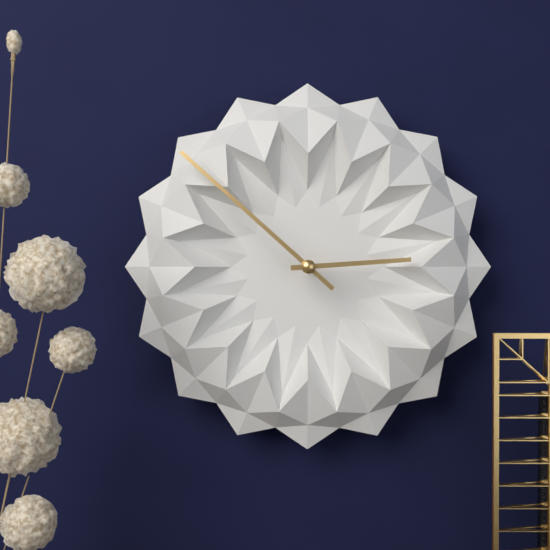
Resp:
h=2 m=52
